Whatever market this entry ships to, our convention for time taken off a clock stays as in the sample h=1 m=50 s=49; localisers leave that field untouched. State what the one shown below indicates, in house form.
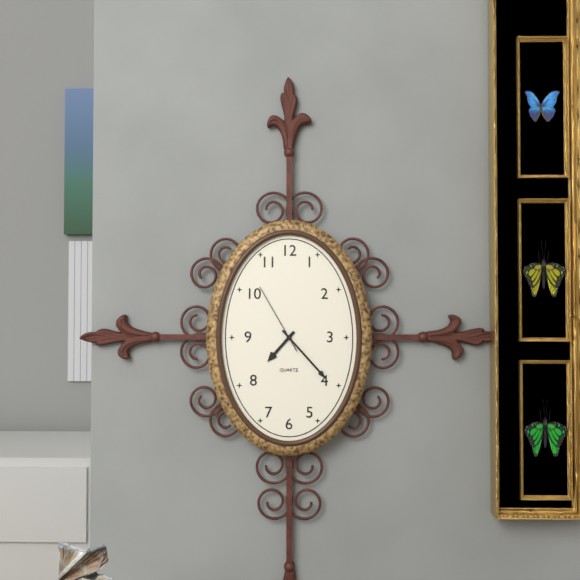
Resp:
h=7 m=23 s=55
